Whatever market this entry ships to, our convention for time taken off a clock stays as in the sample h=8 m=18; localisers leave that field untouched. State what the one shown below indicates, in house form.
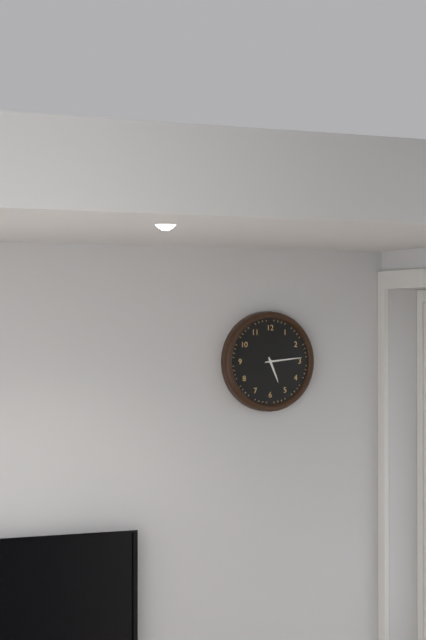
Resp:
h=5 m=14
